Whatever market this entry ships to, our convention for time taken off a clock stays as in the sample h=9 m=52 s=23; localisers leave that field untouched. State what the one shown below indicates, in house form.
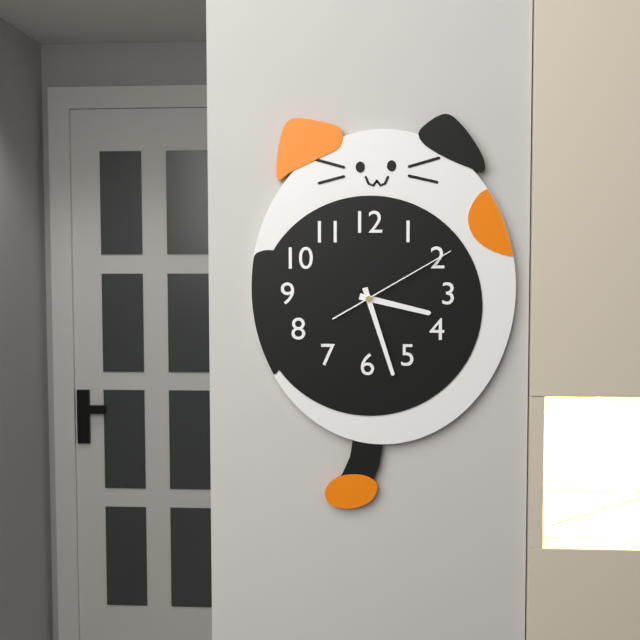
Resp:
h=3 m=27 s=10
